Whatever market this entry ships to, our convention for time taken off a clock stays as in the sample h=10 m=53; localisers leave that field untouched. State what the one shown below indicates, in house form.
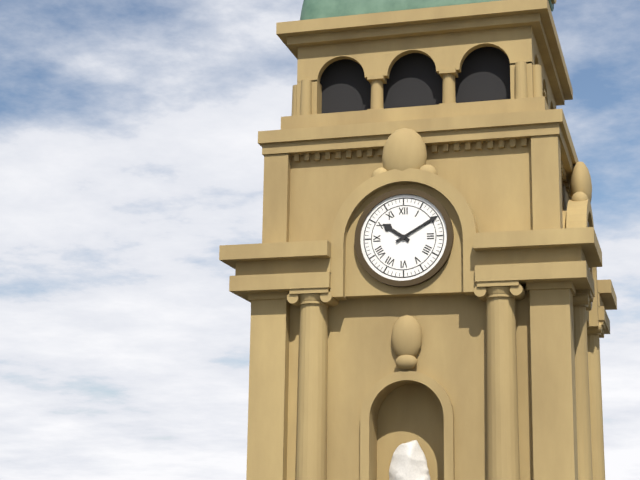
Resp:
h=10 m=10
